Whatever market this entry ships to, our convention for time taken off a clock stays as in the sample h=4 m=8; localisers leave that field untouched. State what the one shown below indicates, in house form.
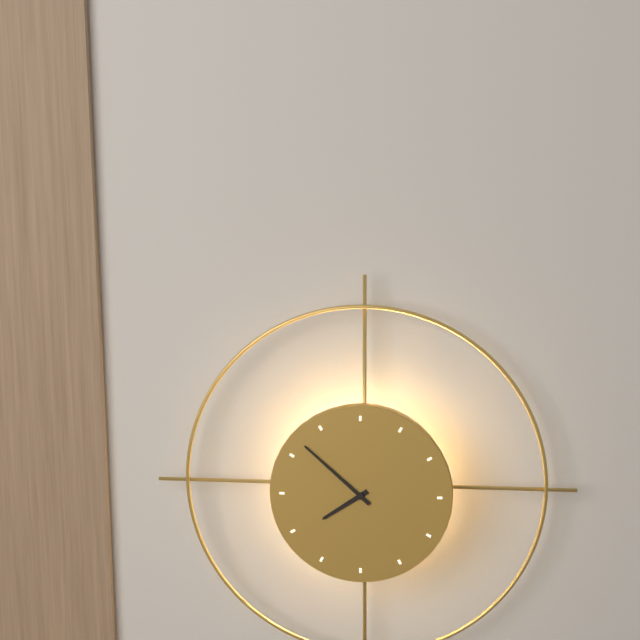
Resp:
h=7 m=52
